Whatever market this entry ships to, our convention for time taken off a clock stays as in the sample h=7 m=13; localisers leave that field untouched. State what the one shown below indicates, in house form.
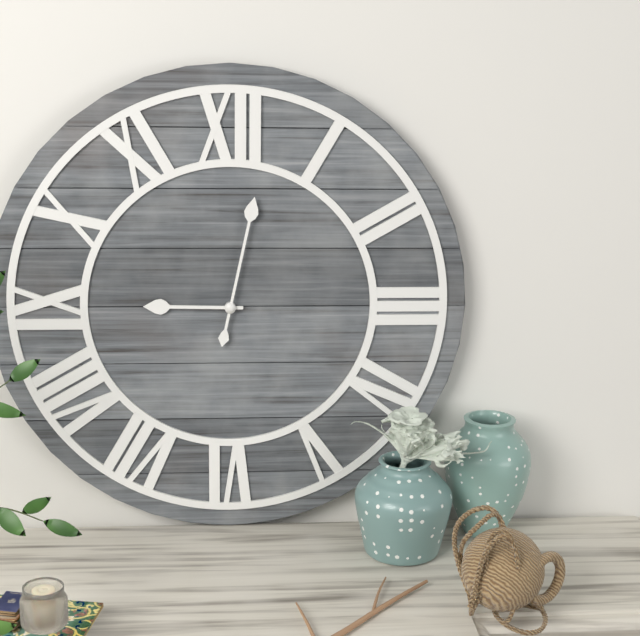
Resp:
h=9 m=2
